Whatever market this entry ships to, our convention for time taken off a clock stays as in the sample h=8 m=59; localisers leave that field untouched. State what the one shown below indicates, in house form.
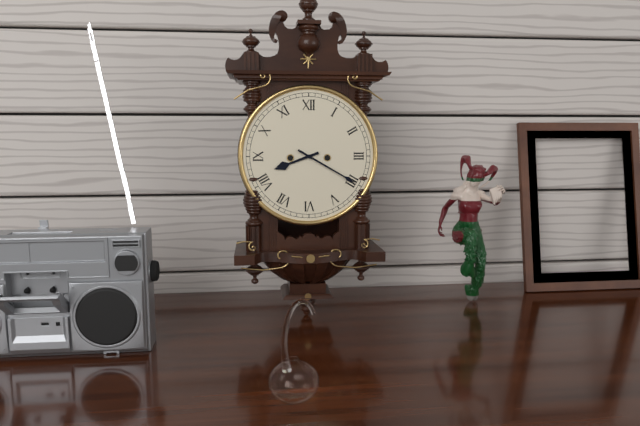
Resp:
h=8 m=20
